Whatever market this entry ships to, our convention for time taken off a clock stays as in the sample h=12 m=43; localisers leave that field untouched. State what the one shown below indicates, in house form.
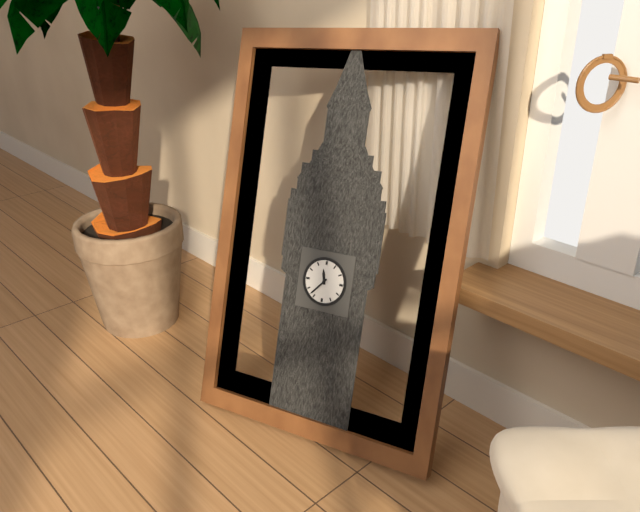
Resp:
h=11 m=37
